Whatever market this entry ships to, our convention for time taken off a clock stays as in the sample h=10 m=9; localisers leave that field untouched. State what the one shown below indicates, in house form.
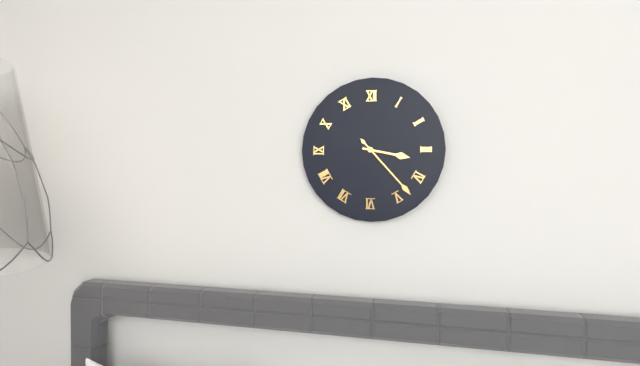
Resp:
h=3 m=23
